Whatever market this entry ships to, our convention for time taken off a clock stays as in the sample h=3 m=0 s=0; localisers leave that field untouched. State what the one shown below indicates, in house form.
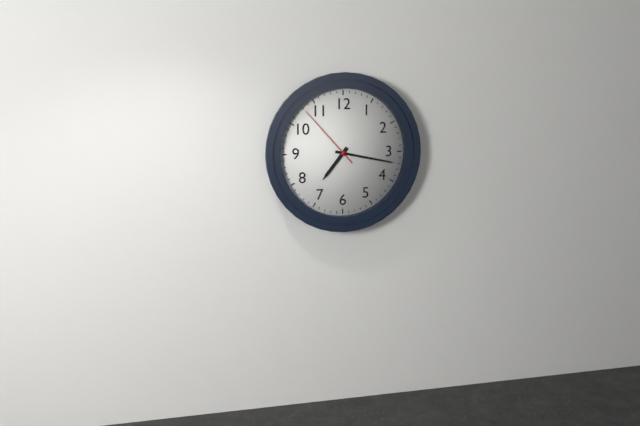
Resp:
h=7 m=17 s=53
